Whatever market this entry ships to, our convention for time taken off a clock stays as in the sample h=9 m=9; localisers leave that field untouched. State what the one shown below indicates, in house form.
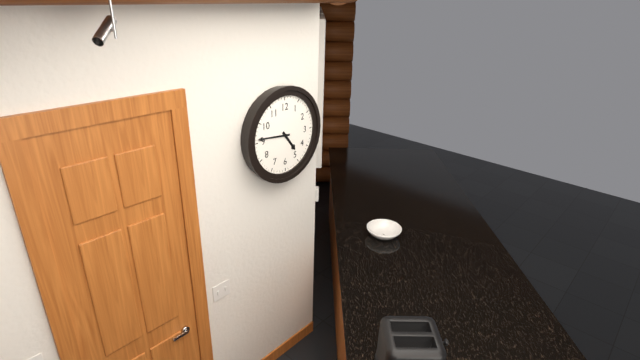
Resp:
h=4 m=46
